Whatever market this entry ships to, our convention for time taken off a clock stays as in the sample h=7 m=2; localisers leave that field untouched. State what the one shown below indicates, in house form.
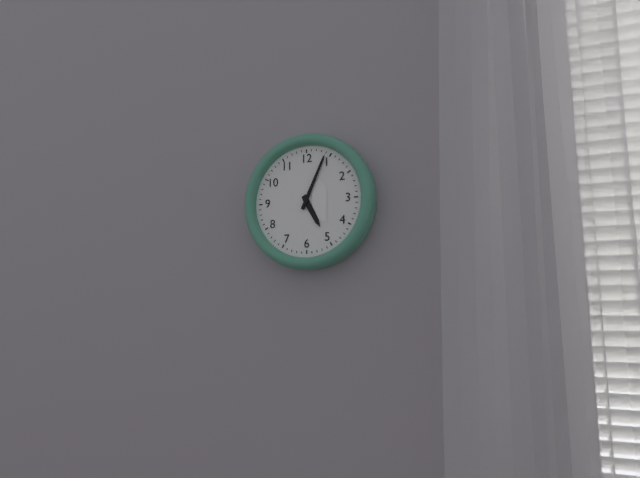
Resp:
h=5 m=4
